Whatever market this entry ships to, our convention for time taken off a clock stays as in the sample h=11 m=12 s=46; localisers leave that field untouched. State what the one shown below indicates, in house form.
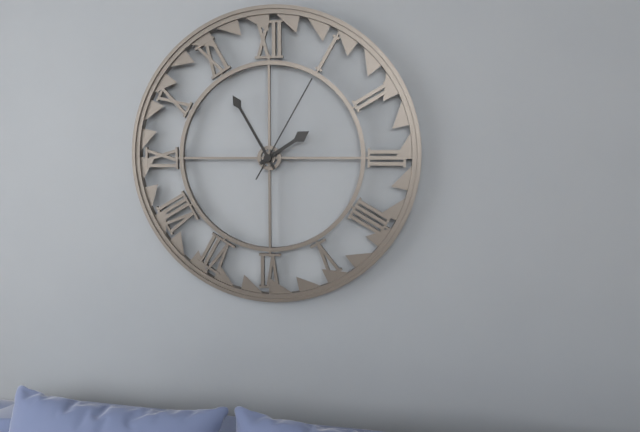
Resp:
h=1 m=55 s=5
